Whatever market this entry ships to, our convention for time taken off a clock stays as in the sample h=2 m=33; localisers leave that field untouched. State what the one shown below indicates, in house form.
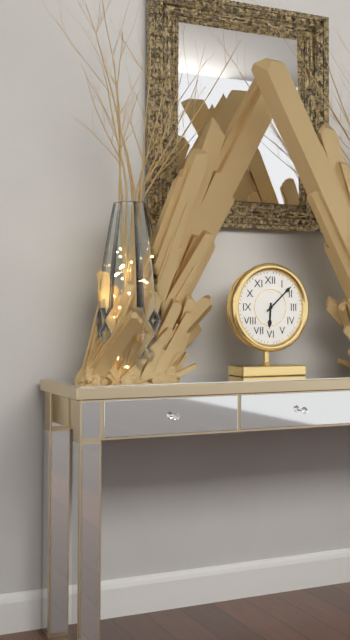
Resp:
h=6 m=8
